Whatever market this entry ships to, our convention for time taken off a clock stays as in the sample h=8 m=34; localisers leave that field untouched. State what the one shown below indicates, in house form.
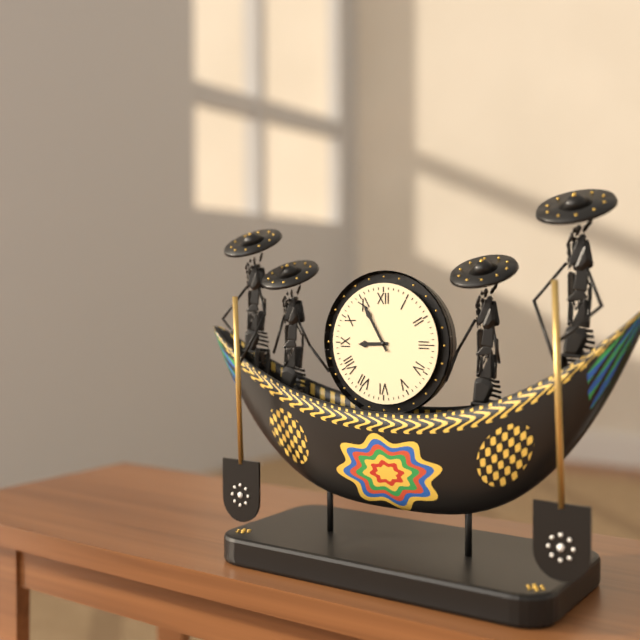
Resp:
h=8 m=55
